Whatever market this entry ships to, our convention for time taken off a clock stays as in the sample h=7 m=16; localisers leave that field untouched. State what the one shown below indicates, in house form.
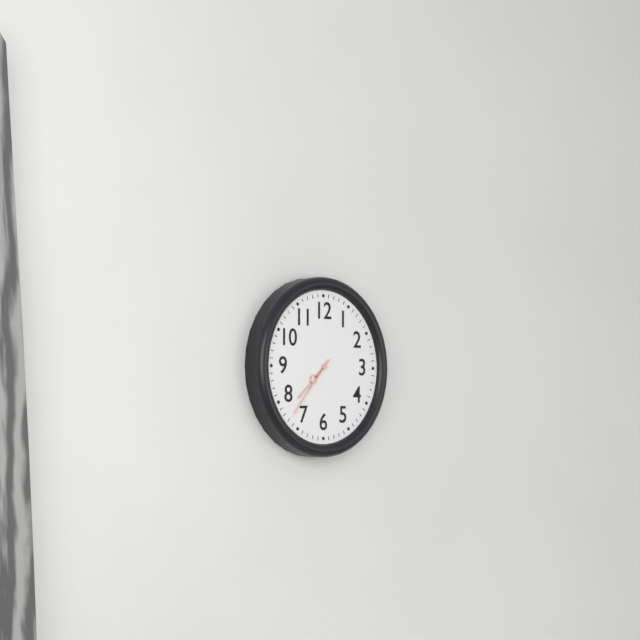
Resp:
h=7 m=37
